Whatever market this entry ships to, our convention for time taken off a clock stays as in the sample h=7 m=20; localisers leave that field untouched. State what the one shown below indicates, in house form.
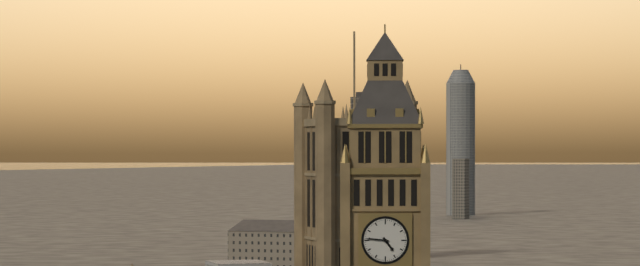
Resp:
h=4 m=46
